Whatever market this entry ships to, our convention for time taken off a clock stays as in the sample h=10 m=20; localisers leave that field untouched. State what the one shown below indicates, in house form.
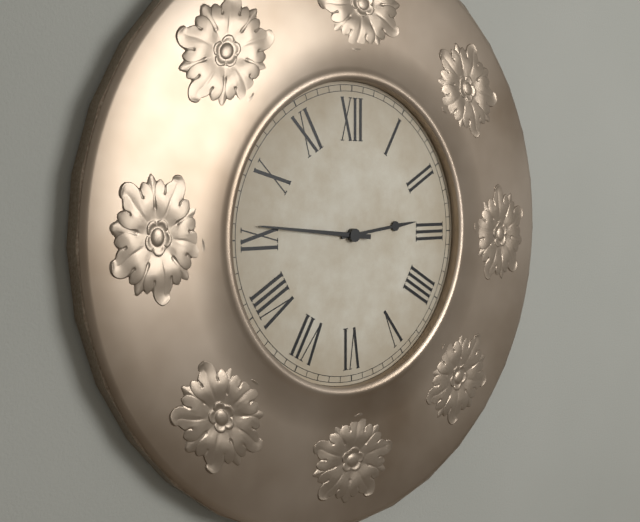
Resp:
h=2 m=46
